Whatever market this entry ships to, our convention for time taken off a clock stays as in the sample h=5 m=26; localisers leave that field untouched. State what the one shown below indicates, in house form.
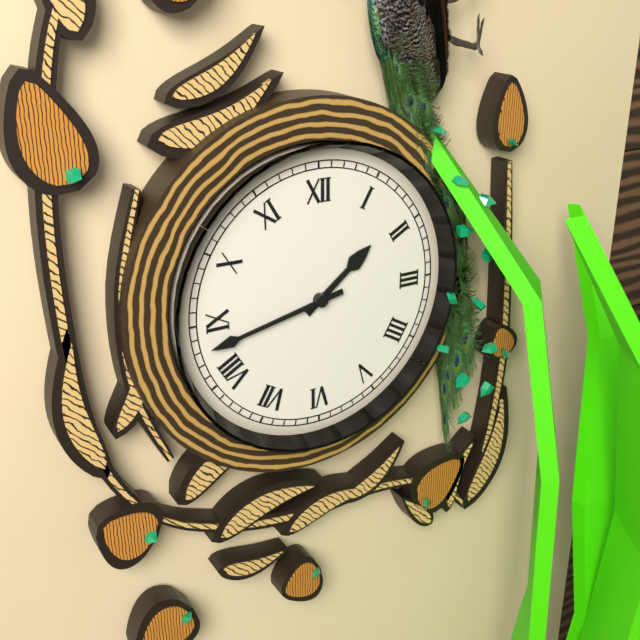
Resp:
h=1 m=43
